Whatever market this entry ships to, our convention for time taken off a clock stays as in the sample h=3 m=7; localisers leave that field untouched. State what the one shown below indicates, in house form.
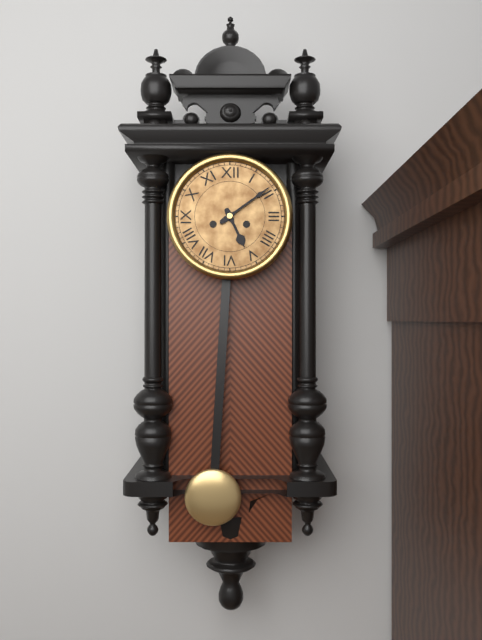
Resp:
h=5 m=9
